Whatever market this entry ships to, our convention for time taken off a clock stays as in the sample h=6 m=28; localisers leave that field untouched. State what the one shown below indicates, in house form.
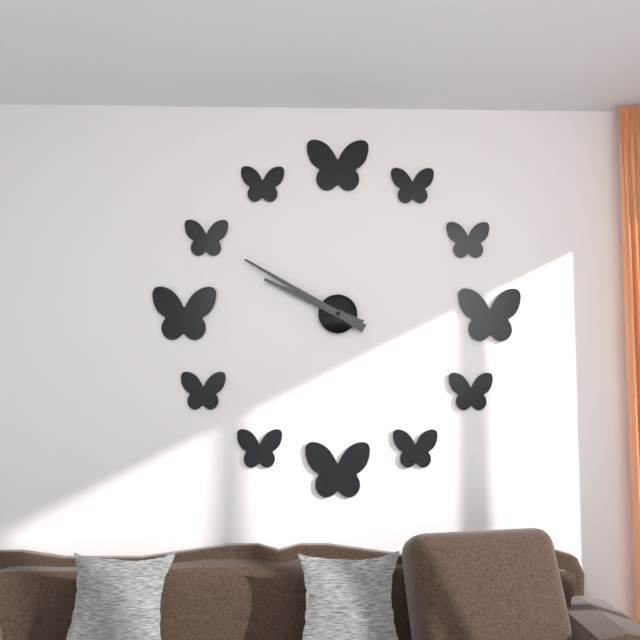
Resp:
h=9 m=50
